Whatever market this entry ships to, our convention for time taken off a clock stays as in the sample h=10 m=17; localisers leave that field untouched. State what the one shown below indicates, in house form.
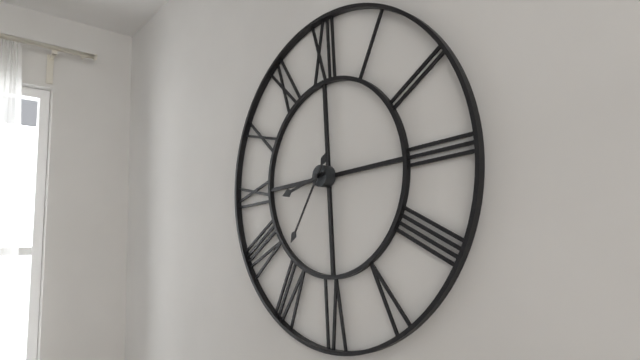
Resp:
h=8 m=36
